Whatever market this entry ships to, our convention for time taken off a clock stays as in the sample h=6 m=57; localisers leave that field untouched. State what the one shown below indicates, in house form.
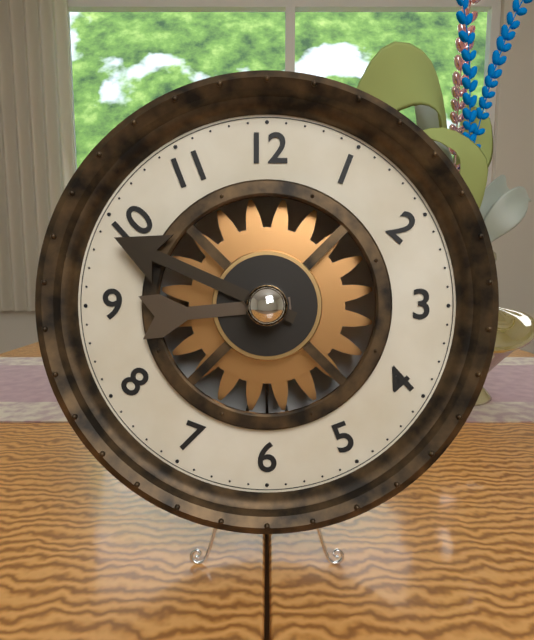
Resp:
h=8 m=49
